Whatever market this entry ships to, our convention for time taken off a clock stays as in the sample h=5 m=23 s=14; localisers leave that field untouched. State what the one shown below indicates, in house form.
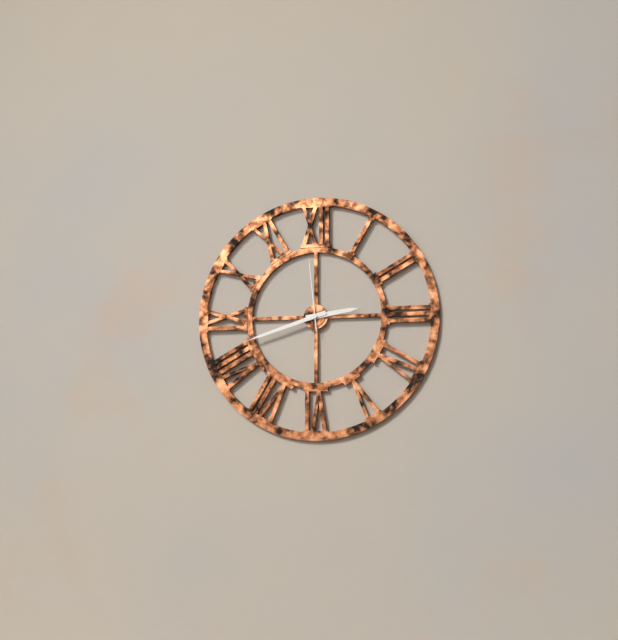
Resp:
h=2 m=42 s=59
